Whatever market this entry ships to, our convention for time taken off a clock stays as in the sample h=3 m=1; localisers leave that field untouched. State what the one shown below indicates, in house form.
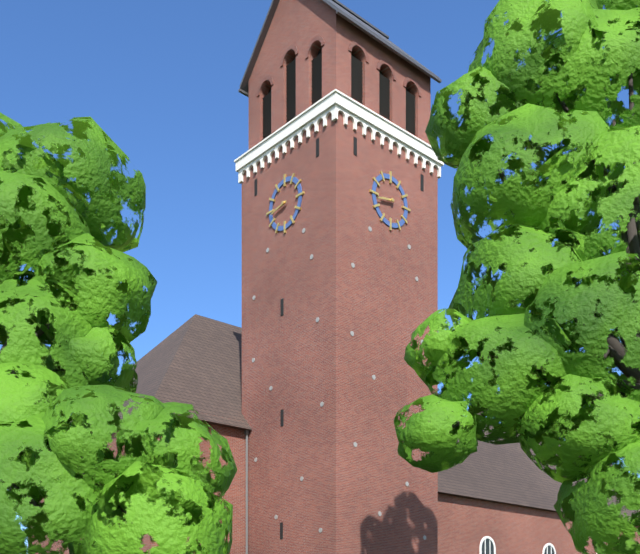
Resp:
h=8 m=43
